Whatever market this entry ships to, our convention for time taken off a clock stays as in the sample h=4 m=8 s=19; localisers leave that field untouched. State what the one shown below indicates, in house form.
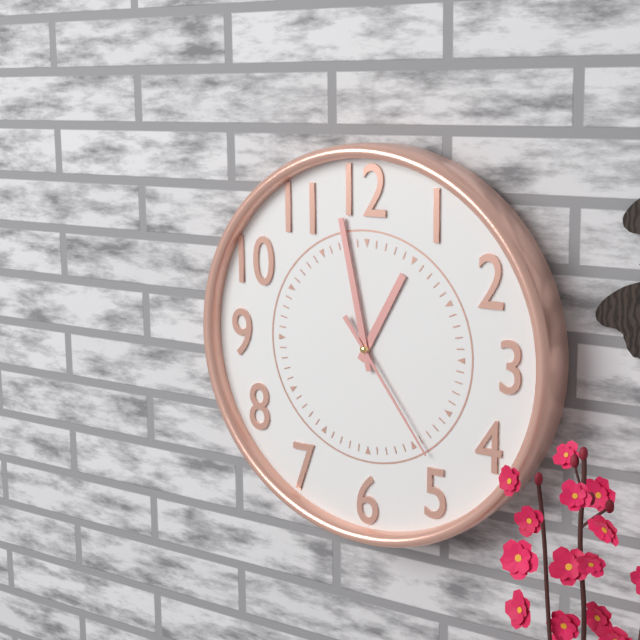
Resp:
h=12 m=58 s=24
